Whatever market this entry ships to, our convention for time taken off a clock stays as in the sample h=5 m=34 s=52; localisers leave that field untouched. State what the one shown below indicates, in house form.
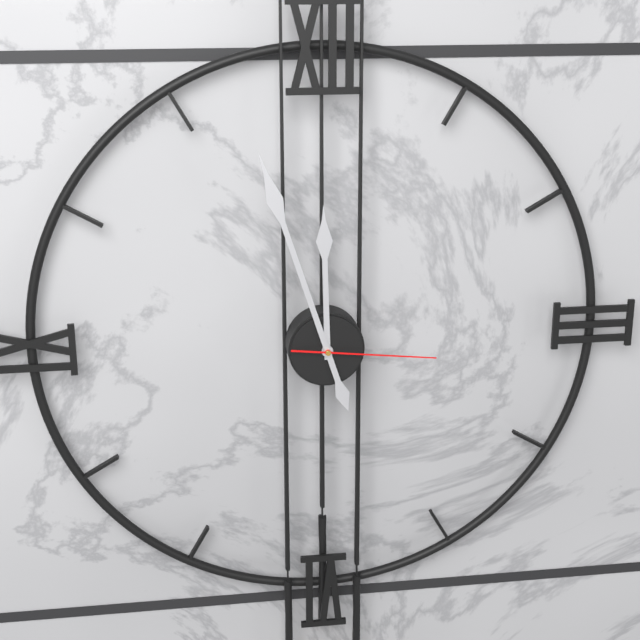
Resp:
h=11 m=57 s=16
